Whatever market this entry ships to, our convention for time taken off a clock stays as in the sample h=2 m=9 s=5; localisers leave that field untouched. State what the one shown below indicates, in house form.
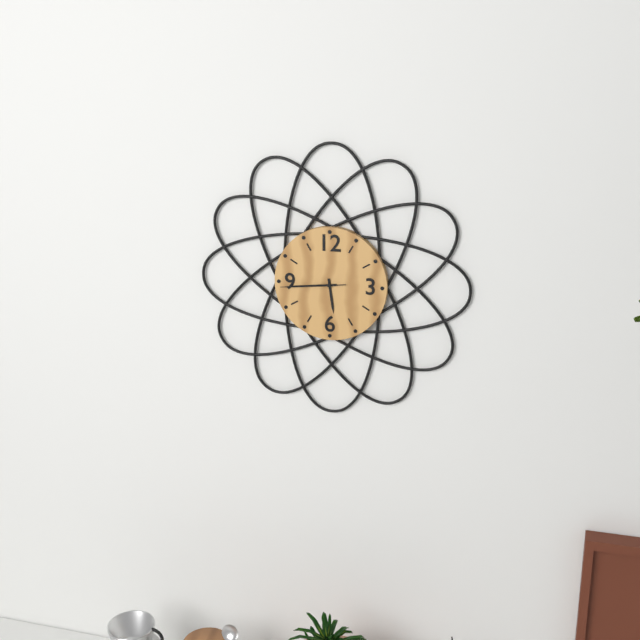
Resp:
h=5 m=44 s=44
